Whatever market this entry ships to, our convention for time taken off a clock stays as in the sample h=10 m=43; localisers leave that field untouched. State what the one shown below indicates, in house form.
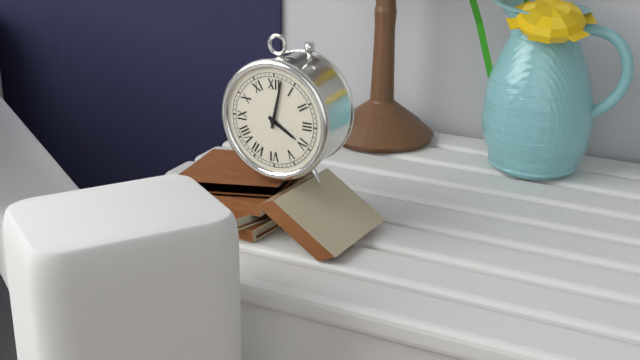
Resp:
h=4 m=2
